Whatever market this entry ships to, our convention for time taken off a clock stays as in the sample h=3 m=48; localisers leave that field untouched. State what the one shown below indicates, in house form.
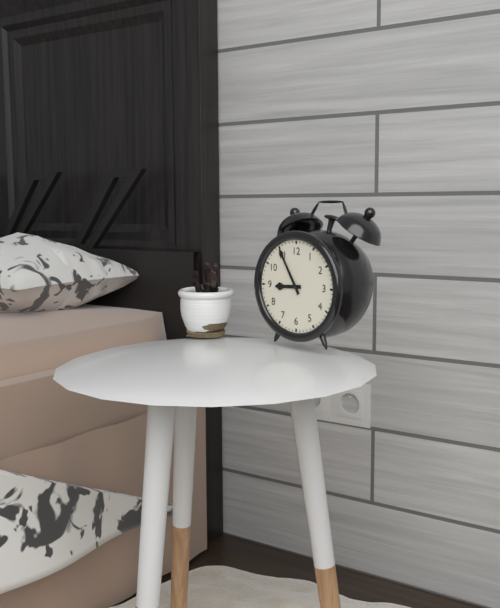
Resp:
h=8 m=55
